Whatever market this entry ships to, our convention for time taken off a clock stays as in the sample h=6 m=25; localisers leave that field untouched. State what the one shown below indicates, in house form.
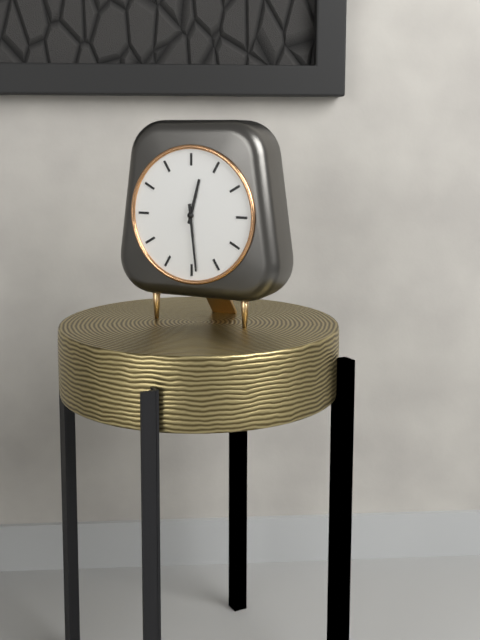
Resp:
h=12 m=29
